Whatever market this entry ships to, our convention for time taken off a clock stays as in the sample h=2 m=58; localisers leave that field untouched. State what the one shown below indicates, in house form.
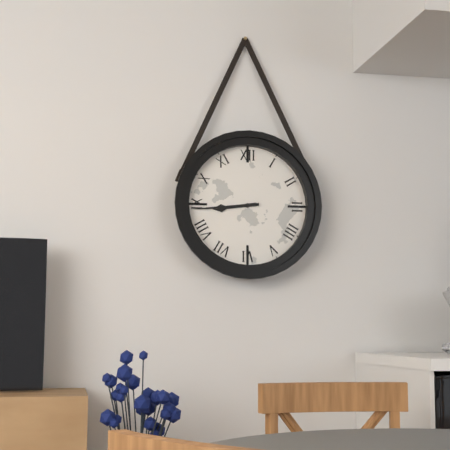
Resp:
h=8 m=44
